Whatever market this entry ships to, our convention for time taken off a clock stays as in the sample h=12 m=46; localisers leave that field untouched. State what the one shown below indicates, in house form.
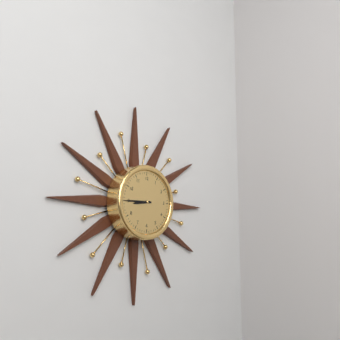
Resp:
h=8 m=45
